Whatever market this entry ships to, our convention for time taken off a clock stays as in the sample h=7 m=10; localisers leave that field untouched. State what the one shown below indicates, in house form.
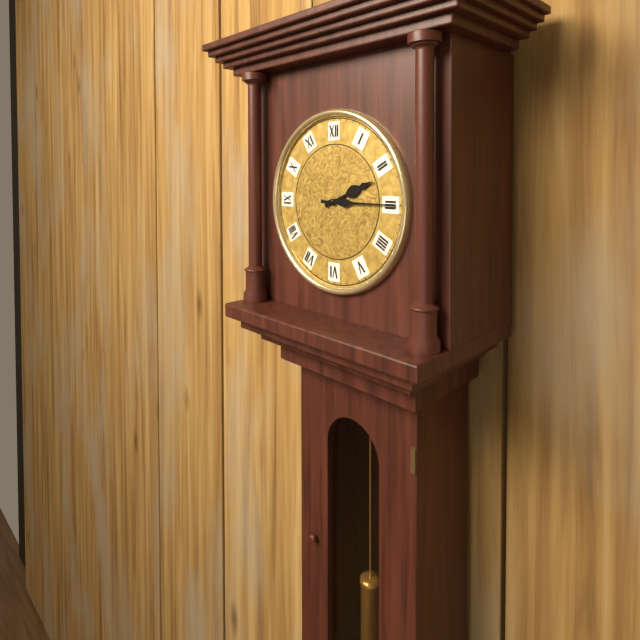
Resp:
h=2 m=15
